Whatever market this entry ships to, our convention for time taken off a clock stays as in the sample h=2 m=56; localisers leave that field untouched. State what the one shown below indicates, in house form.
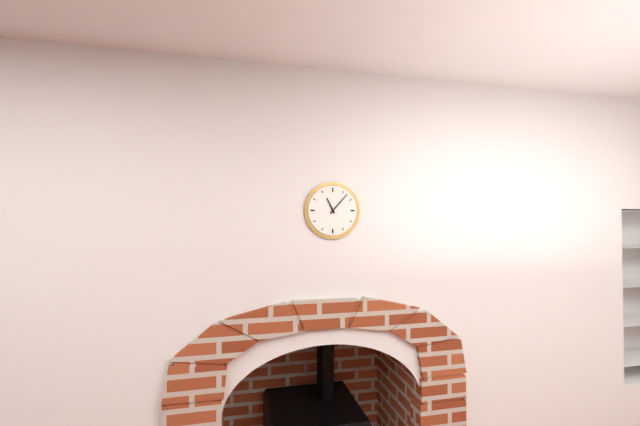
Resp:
h=11 m=7
